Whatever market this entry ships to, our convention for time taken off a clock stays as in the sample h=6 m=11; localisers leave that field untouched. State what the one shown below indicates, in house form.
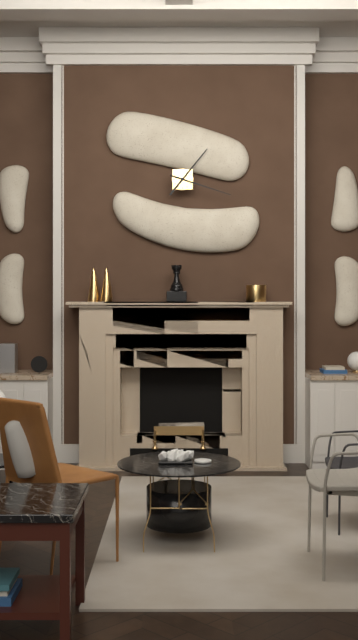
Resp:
h=1 m=18
